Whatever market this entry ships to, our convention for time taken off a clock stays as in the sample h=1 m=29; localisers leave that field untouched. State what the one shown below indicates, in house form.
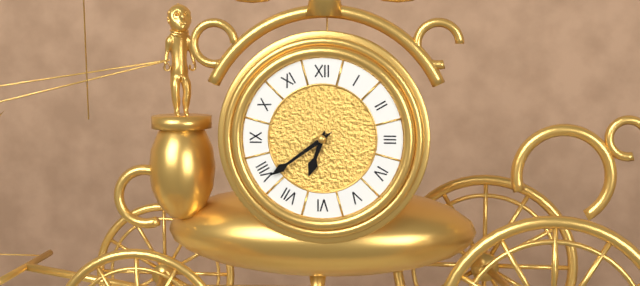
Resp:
h=6 m=39
